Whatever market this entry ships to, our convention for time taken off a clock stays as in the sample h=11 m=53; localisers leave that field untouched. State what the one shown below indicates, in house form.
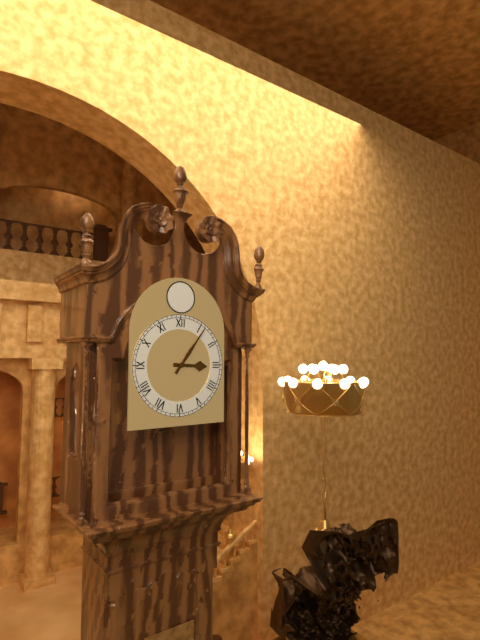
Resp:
h=3 m=6
